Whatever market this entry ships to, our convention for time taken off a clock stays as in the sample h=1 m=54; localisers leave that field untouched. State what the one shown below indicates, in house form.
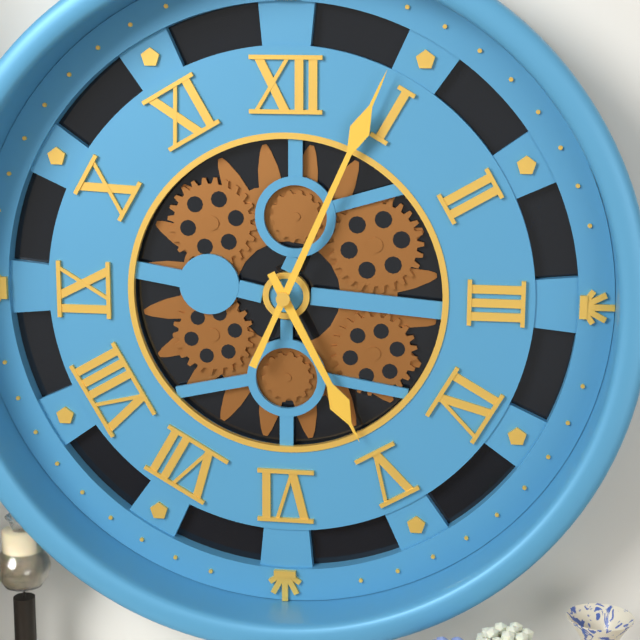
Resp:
h=5 m=4
